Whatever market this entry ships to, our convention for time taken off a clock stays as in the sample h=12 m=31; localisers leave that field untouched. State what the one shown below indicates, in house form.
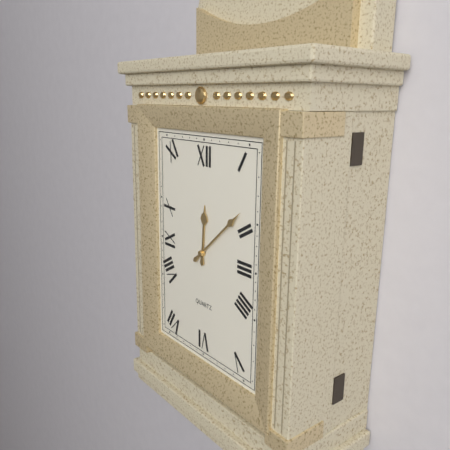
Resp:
h=12 m=8
